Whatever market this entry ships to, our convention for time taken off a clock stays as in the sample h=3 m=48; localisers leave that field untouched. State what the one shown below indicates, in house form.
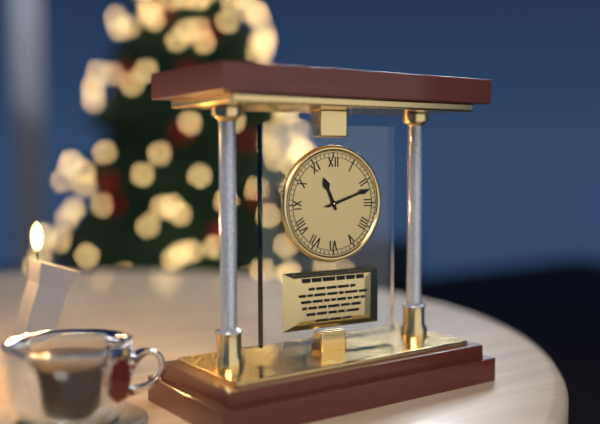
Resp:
h=11 m=12
